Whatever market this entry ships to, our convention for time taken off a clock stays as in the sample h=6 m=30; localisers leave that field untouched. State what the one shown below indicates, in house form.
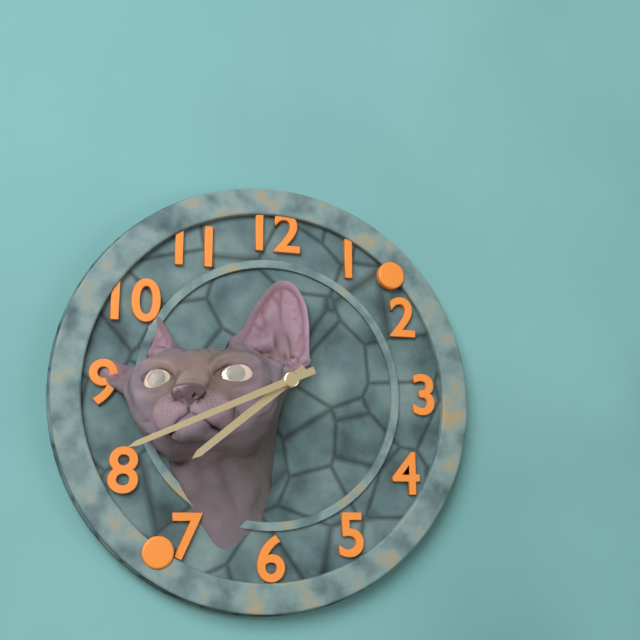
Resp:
h=7 m=41
